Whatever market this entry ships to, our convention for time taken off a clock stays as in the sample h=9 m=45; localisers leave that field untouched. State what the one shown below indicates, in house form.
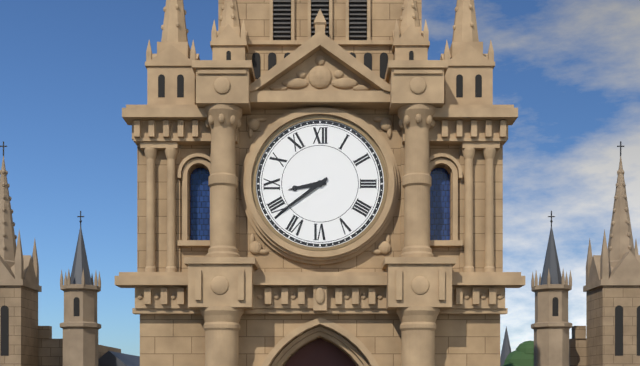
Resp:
h=8 m=39
